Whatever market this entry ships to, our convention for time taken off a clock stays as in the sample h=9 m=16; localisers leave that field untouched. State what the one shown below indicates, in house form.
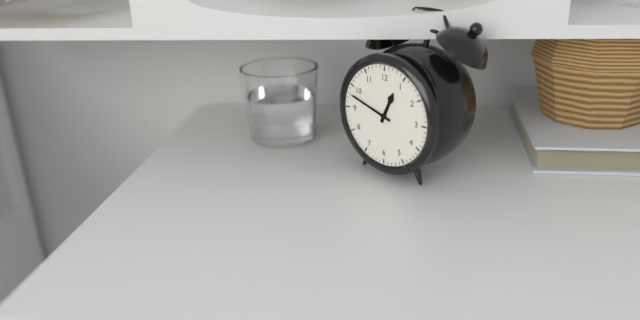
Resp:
h=12 m=48
